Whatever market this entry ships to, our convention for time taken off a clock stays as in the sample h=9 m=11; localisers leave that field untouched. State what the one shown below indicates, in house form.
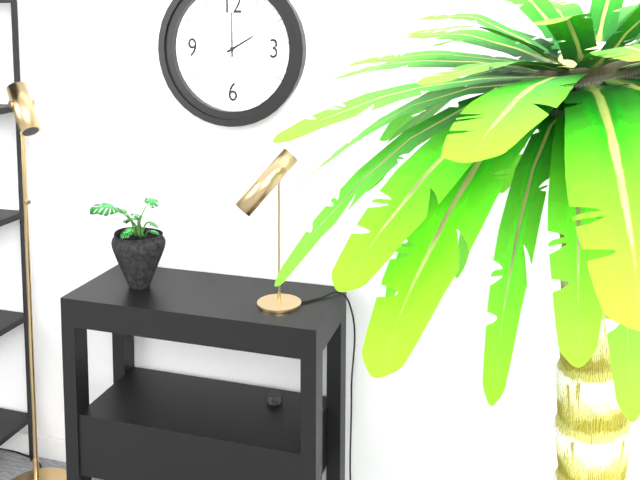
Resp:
h=2 m=0
